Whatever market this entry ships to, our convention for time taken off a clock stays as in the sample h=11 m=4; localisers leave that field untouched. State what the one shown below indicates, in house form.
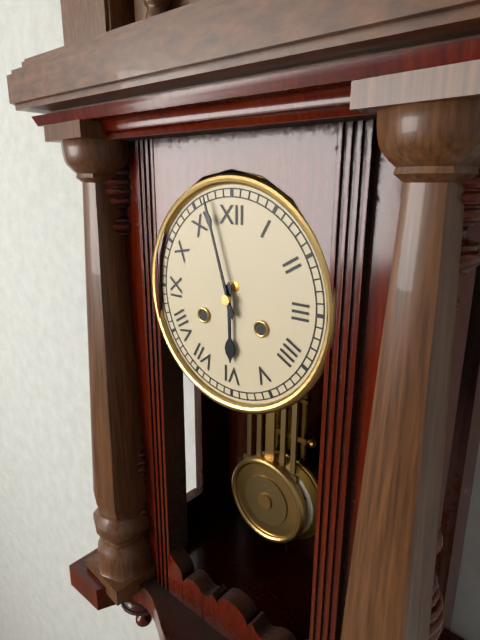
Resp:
h=5 m=57
